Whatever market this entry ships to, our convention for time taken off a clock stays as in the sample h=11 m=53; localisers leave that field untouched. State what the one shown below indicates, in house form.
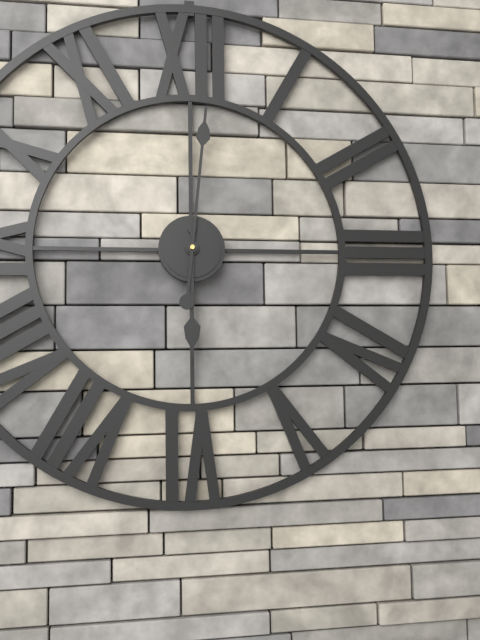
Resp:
h=6 m=1
